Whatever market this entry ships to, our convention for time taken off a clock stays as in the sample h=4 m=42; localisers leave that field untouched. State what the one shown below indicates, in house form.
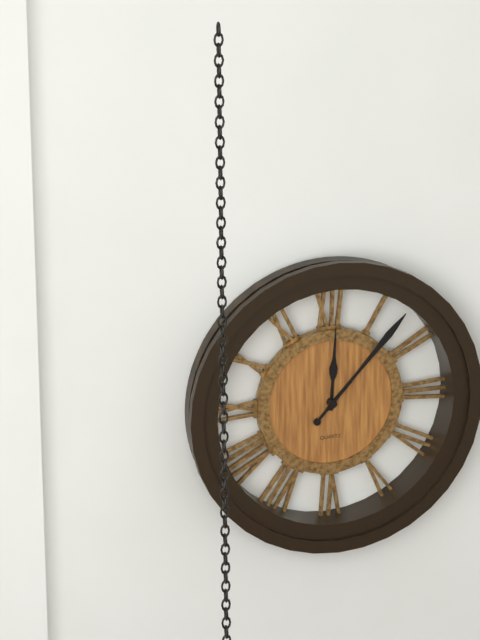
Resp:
h=12 m=7
